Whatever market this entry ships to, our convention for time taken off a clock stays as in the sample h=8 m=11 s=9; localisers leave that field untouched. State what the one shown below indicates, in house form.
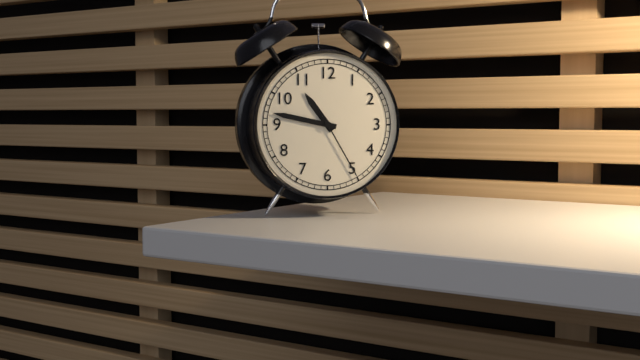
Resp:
h=10 m=47 s=25
